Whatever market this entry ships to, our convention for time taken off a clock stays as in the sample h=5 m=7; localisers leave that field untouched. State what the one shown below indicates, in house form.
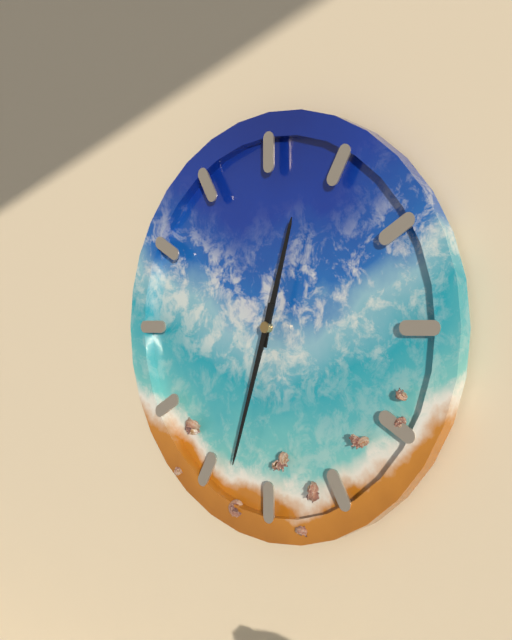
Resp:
h=12 m=33
